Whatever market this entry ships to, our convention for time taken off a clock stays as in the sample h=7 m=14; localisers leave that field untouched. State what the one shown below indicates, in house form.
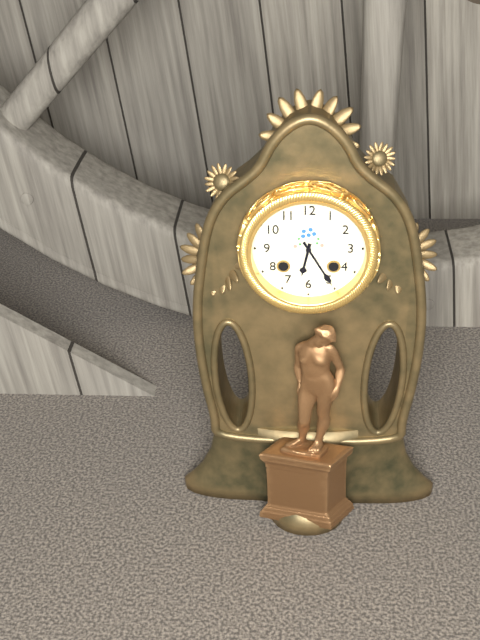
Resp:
h=6 m=25
